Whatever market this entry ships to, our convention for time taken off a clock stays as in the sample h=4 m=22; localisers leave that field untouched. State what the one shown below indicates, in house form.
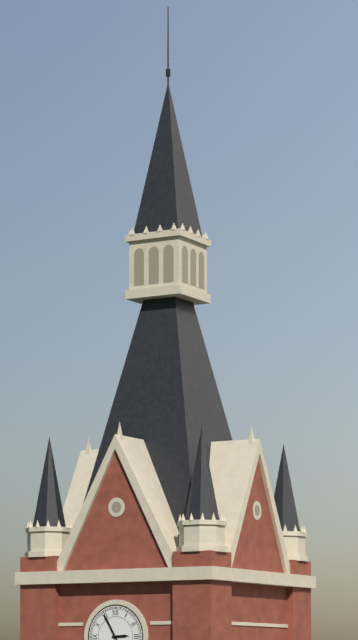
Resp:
h=2 m=55
